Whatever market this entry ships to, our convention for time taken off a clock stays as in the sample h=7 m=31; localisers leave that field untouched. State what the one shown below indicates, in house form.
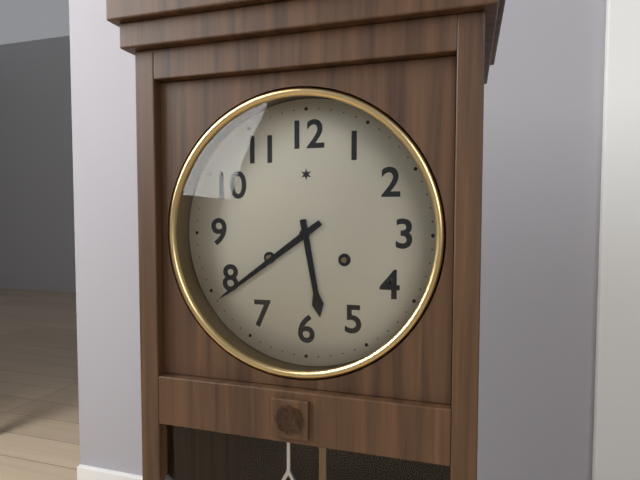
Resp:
h=5 m=39
